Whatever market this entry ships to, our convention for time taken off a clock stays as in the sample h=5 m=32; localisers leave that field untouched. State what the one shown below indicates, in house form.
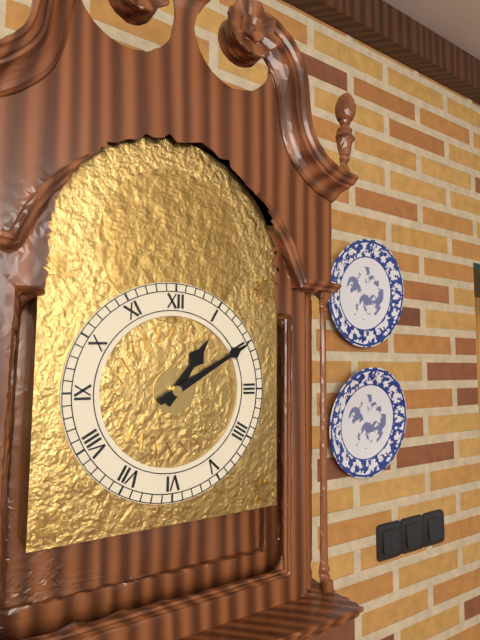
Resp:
h=1 m=10
